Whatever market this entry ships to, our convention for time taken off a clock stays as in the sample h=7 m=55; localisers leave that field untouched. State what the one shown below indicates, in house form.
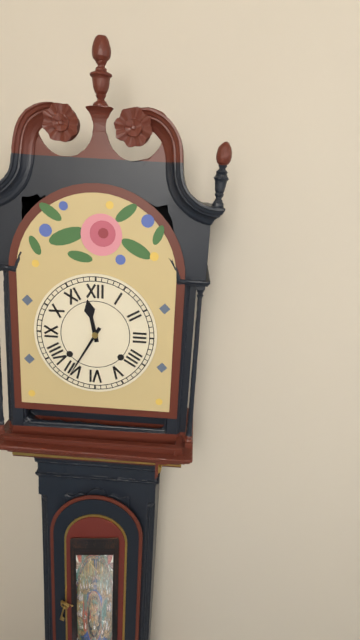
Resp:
h=11 m=35
